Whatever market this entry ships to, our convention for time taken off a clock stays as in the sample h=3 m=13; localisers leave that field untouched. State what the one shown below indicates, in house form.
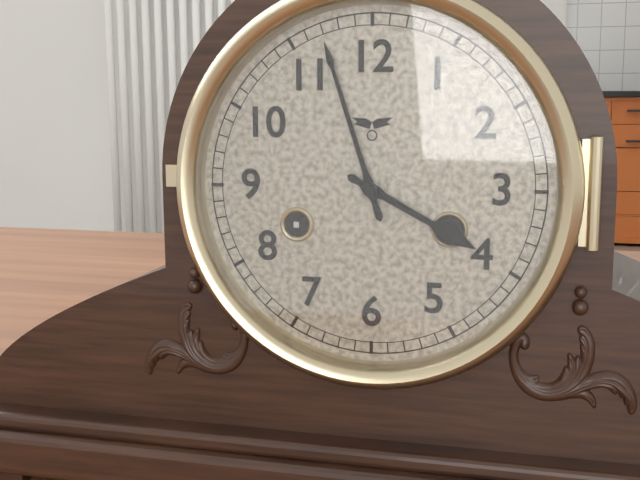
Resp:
h=3 m=57
